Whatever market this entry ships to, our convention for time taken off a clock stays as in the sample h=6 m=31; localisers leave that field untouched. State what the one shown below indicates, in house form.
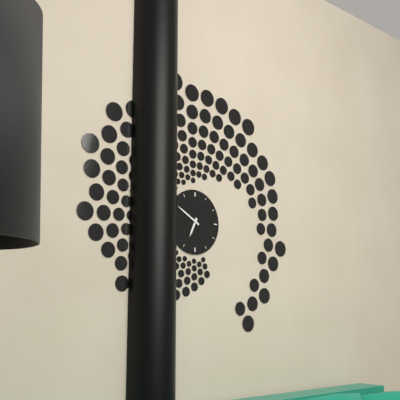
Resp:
h=6 m=50
